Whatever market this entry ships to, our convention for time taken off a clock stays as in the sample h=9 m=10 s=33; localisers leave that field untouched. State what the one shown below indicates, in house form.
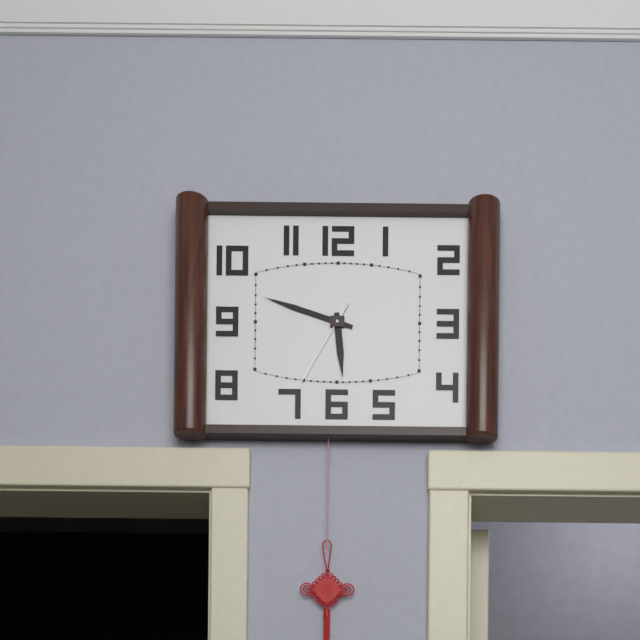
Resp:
h=5 m=48 s=35
